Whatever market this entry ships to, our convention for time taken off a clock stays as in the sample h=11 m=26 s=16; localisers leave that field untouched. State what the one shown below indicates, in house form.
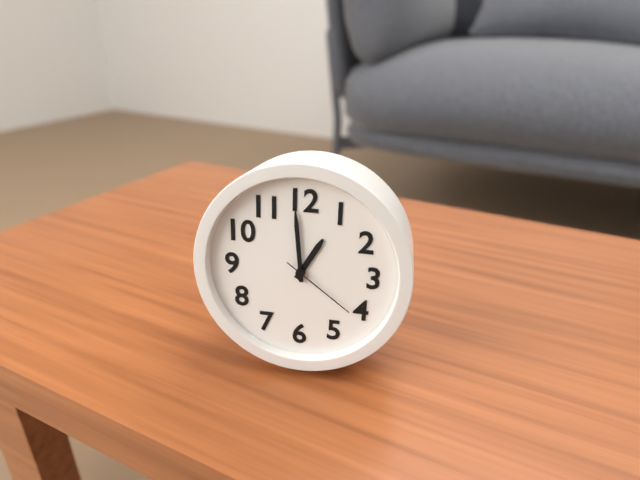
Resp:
h=12 m=59 s=21
